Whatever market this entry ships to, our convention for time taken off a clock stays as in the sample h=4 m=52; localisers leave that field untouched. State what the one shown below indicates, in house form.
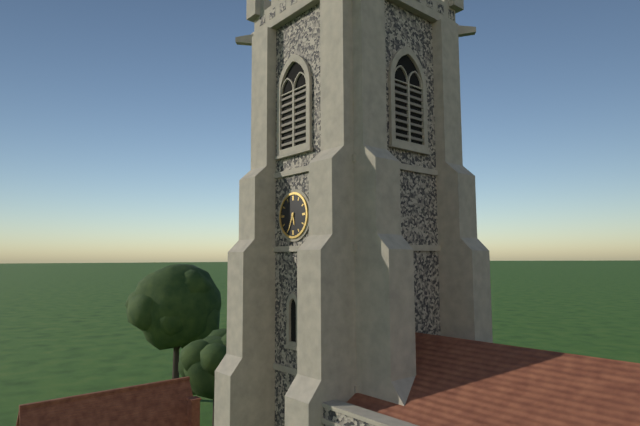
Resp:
h=5 m=34
